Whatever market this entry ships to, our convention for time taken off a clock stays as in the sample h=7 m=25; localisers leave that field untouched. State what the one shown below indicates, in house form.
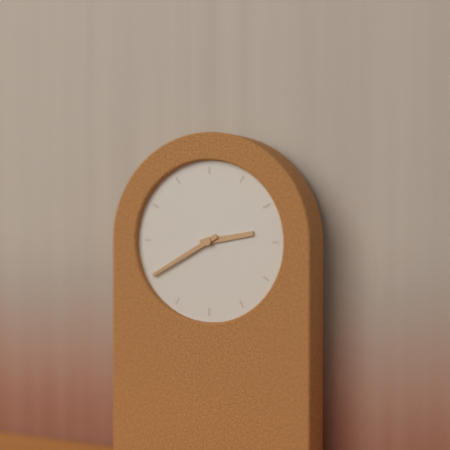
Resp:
h=2 m=40
